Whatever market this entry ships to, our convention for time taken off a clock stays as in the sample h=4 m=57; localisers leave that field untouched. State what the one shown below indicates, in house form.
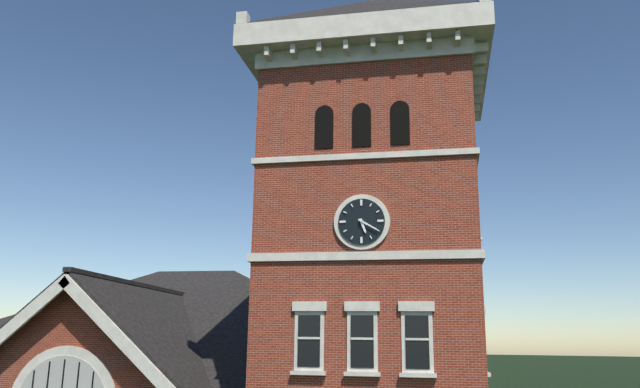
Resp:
h=5 m=20
